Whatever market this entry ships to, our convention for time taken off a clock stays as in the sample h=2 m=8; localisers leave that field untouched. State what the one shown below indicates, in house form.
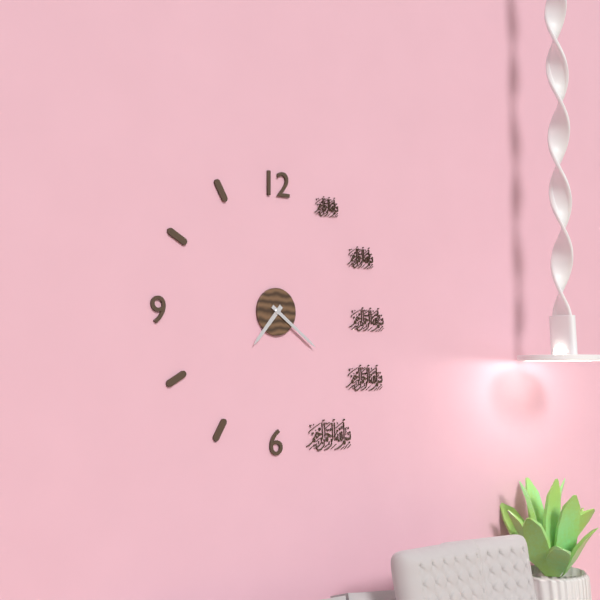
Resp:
h=7 m=21
